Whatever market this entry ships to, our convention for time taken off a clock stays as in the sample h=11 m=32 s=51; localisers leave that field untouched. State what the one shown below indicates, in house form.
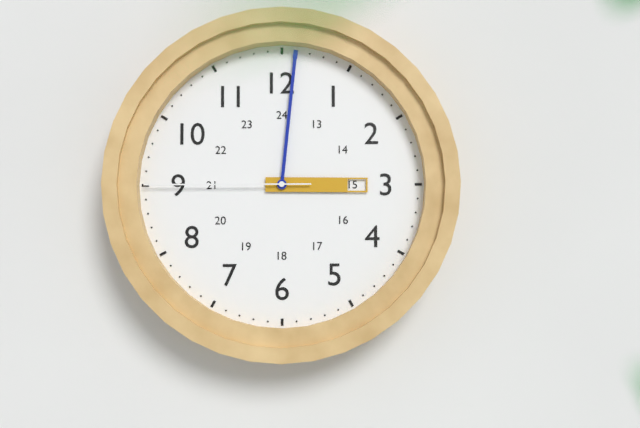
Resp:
h=3 m=1 s=45
